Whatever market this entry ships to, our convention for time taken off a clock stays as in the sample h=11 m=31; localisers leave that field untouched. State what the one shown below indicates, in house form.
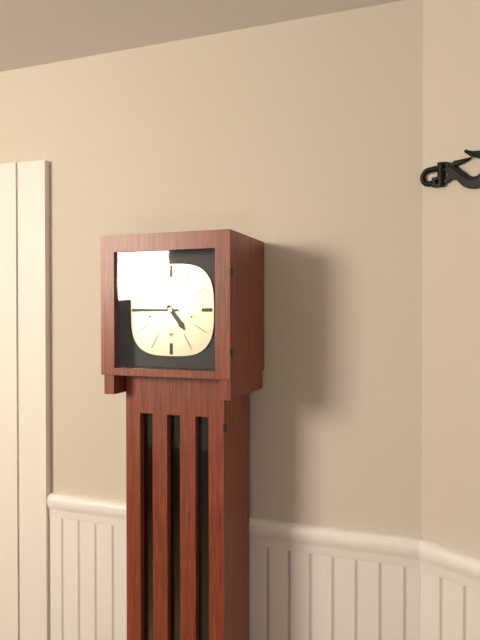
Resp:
h=4 m=45
